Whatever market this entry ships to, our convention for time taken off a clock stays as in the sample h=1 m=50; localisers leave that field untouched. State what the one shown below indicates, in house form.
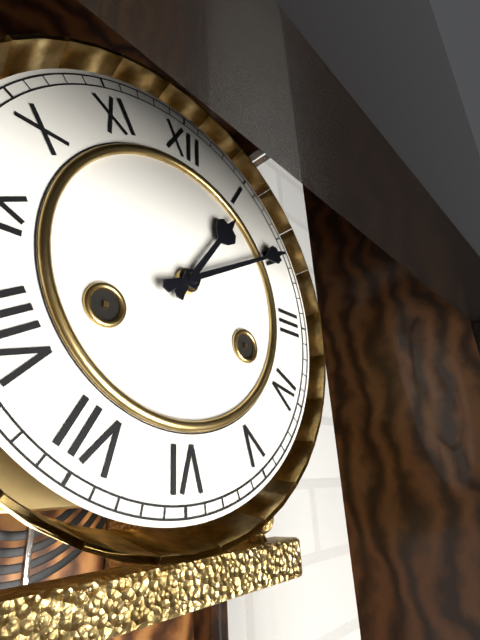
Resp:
h=1 m=10
